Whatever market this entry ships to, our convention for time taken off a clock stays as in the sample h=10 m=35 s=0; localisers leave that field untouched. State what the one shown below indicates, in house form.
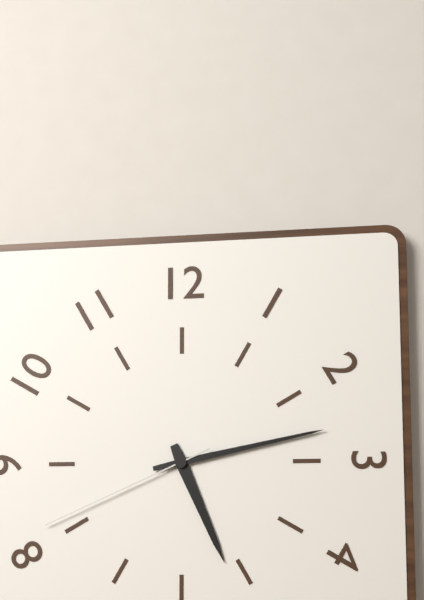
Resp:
h=5 m=13 s=41
